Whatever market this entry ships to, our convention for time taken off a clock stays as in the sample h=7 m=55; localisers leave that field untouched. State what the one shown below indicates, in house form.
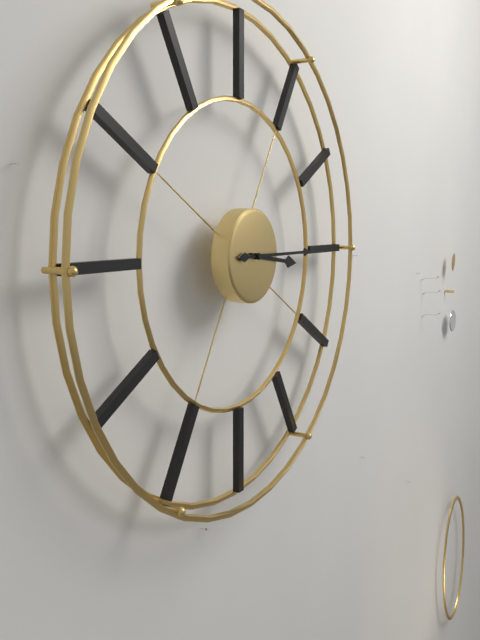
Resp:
h=3 m=15
